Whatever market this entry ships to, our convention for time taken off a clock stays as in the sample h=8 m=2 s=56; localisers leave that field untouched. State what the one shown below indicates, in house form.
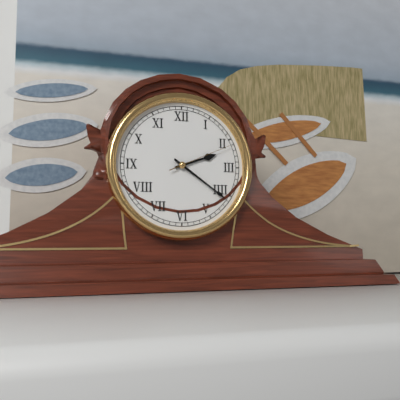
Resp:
h=2 m=21 s=11
